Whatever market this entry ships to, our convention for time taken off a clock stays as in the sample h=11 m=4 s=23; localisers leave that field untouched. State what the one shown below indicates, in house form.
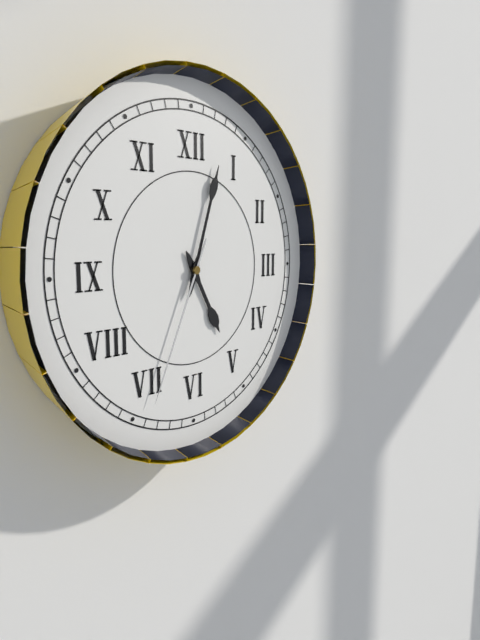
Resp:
h=5 m=3 s=34
